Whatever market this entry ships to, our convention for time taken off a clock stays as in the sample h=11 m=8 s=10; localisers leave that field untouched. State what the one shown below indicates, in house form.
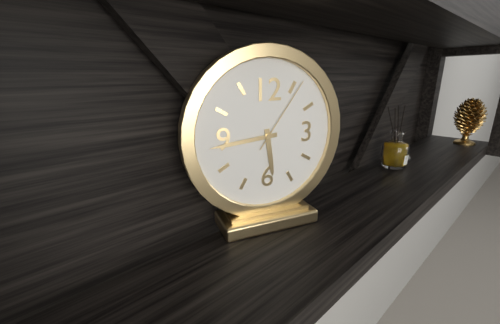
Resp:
h=5 m=44 s=6
